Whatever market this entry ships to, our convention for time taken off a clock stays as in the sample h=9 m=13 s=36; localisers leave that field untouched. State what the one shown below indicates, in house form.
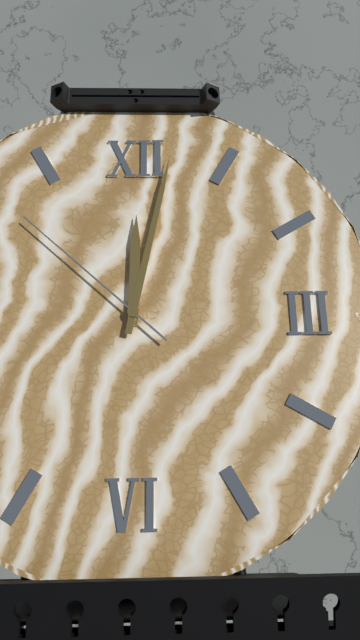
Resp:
h=12 m=2 s=52
